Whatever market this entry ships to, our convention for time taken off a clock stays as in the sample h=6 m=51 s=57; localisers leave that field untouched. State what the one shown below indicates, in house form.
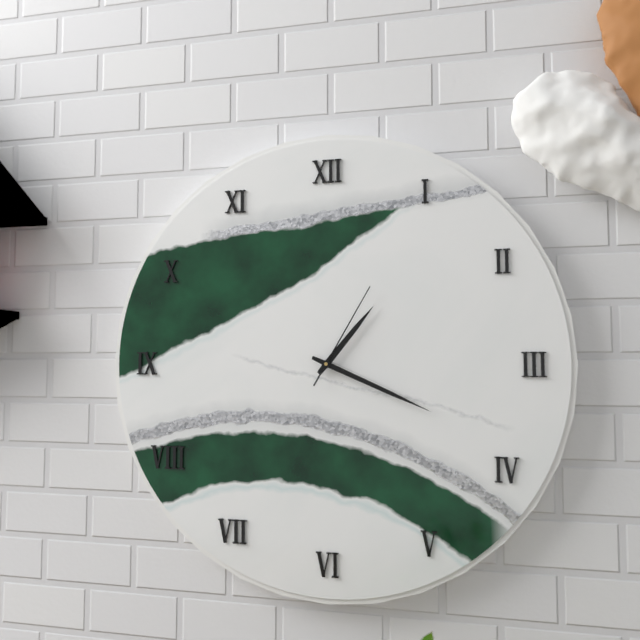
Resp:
h=1 m=19 s=5
